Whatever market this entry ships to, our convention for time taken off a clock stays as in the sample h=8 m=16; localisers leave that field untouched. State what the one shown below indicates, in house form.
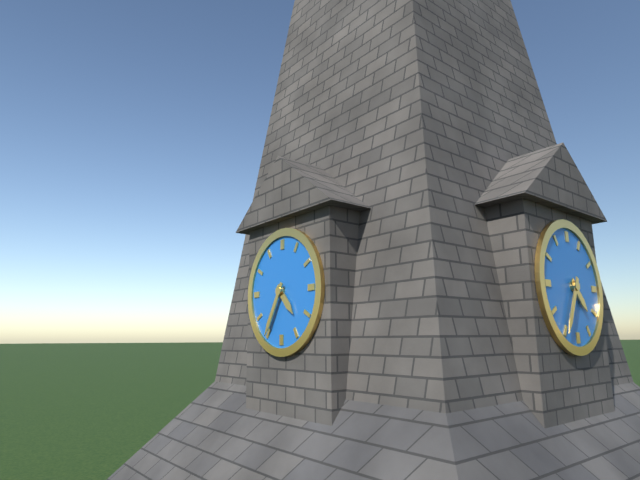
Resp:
h=4 m=35
